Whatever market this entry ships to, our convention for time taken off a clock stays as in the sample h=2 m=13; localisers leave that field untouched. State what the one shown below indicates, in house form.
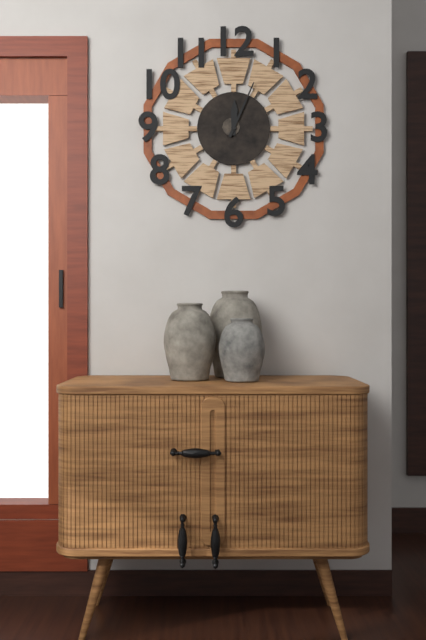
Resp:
h=12 m=4
